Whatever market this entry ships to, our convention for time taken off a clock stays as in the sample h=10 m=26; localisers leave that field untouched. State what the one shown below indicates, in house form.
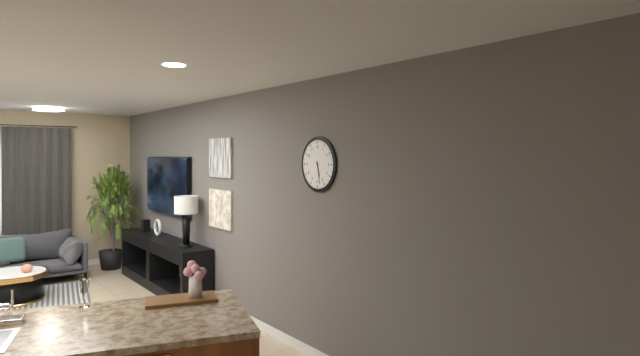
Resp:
h=5 m=28
